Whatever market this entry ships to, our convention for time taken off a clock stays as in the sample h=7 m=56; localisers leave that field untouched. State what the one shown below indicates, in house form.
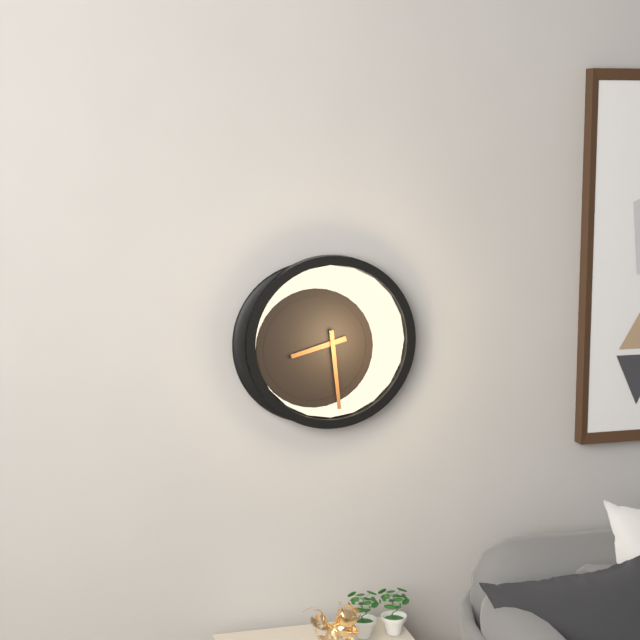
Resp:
h=8 m=29
